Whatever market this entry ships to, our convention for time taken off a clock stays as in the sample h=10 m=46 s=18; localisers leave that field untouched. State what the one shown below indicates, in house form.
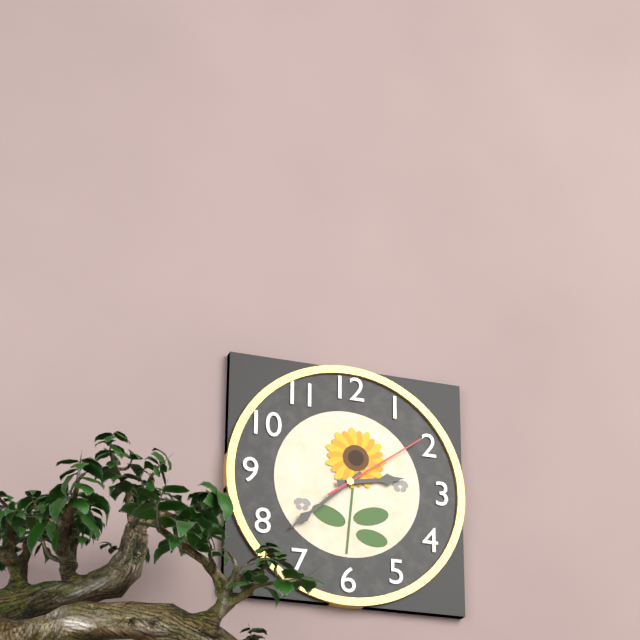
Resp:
h=2 m=38 s=9
